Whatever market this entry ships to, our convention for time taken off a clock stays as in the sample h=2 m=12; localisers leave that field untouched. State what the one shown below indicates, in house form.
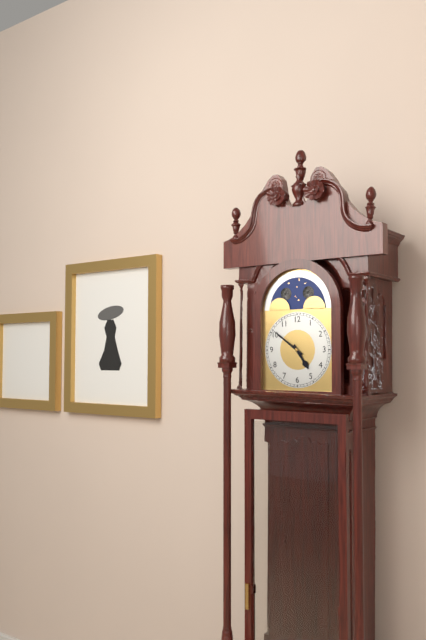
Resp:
h=4 m=51
